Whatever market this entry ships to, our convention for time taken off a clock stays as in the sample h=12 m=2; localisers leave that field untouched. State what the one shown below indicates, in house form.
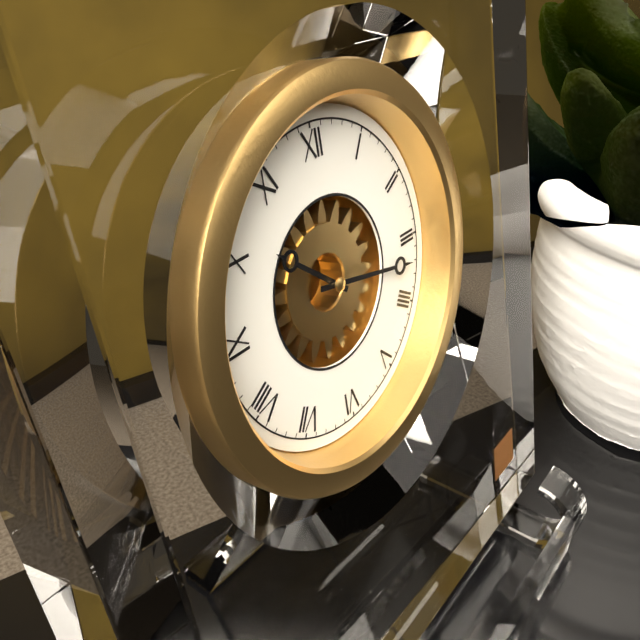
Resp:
h=10 m=17
